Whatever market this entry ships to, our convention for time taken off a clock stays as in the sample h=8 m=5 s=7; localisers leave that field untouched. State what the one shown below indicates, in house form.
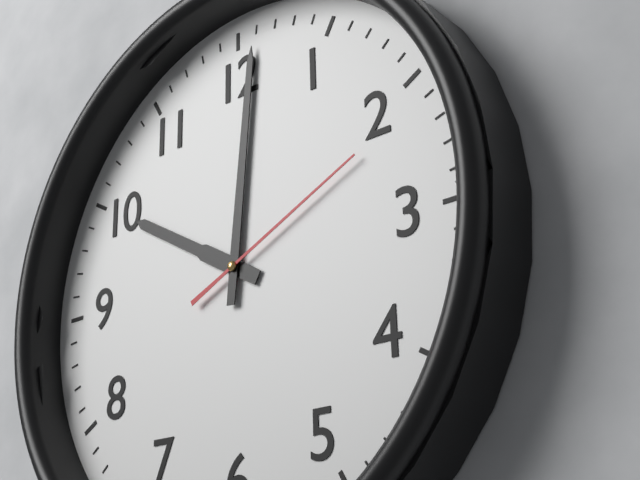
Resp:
h=10 m=1 s=11
